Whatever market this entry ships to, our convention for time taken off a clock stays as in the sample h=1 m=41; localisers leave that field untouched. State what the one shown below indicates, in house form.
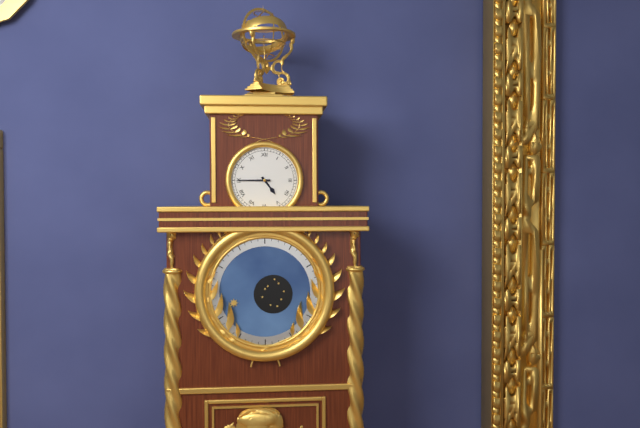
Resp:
h=4 m=45
